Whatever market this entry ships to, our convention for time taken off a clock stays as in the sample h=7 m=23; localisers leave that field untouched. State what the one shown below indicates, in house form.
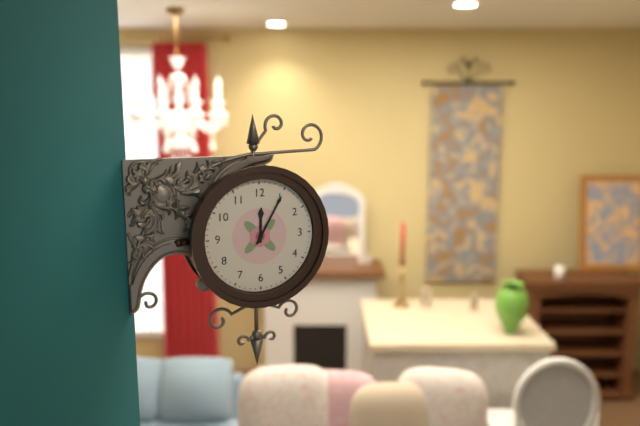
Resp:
h=12 m=5
